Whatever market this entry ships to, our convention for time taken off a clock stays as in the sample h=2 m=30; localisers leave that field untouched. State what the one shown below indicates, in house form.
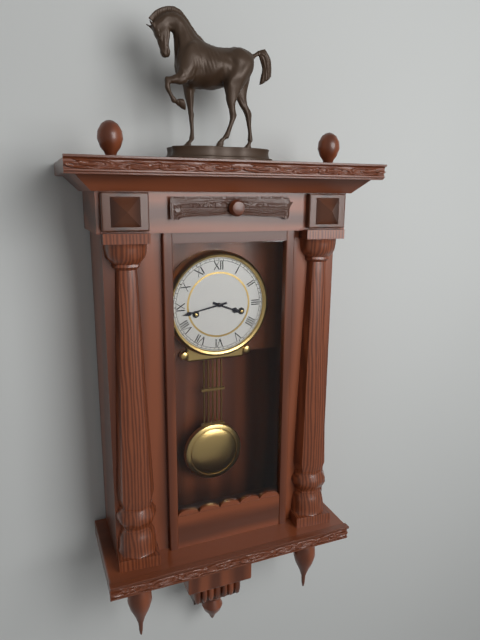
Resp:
h=3 m=43
